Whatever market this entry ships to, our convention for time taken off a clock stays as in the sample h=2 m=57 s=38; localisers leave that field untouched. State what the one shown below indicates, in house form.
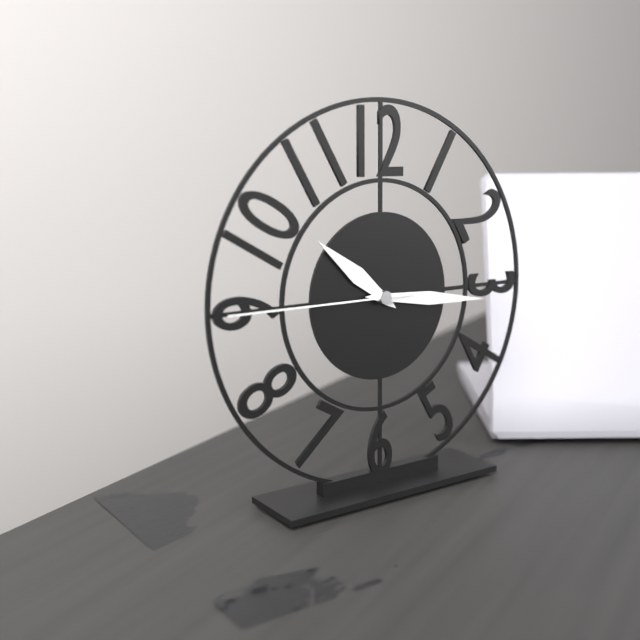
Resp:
h=10 m=16 s=45
